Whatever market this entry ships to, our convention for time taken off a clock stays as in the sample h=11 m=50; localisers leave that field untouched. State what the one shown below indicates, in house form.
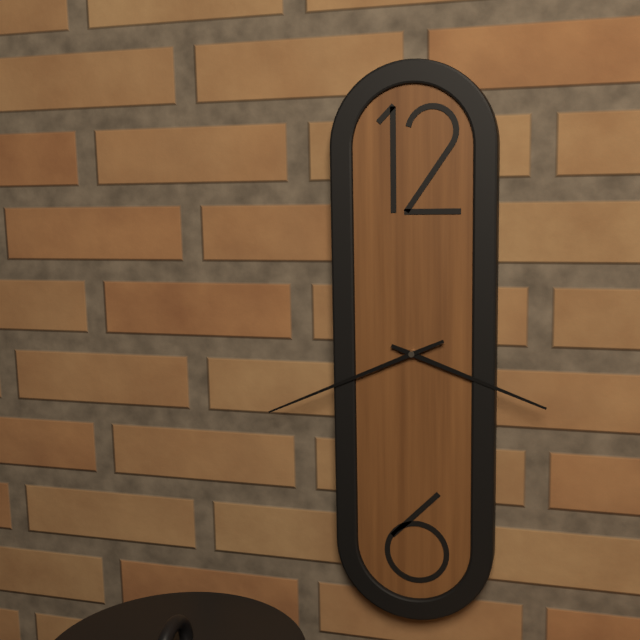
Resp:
h=3 m=41
